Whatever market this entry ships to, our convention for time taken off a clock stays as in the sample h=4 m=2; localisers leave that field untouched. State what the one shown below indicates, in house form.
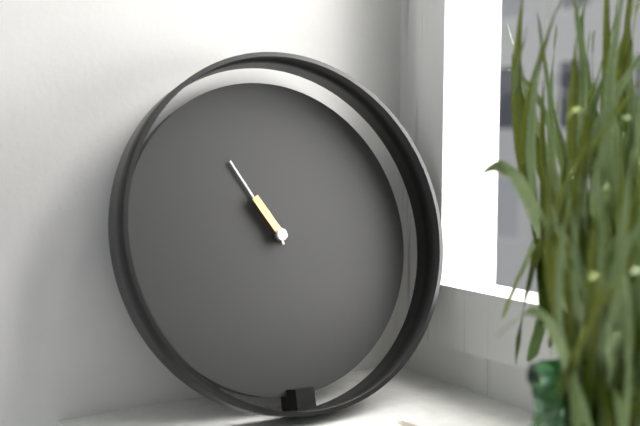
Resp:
h=10 m=55
